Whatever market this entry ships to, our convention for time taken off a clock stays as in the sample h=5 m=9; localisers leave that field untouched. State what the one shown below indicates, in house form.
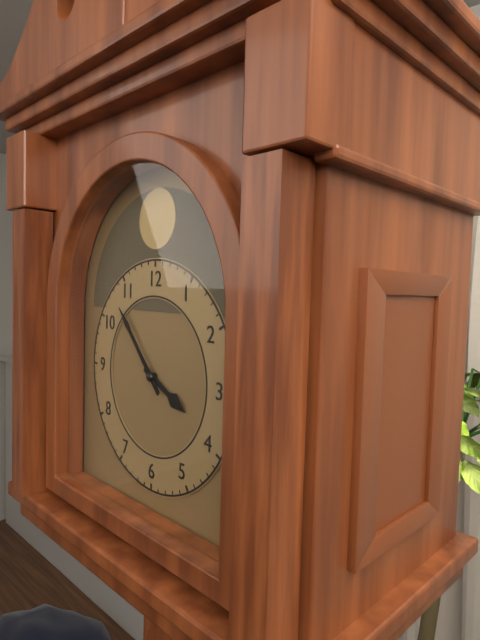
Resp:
h=3 m=53
